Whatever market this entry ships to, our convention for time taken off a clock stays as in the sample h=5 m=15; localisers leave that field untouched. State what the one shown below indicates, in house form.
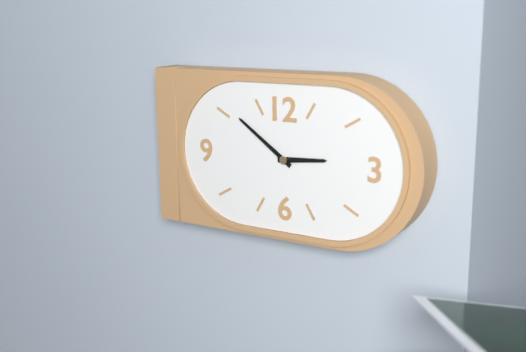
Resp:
h=2 m=51
